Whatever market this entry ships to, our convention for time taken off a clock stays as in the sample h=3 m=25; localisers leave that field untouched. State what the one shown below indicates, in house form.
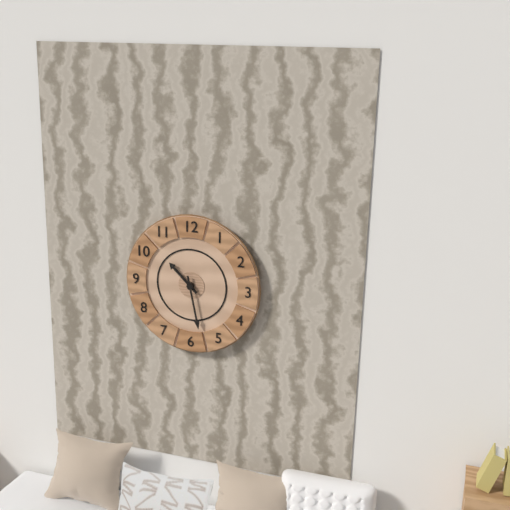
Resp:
h=10 m=28
